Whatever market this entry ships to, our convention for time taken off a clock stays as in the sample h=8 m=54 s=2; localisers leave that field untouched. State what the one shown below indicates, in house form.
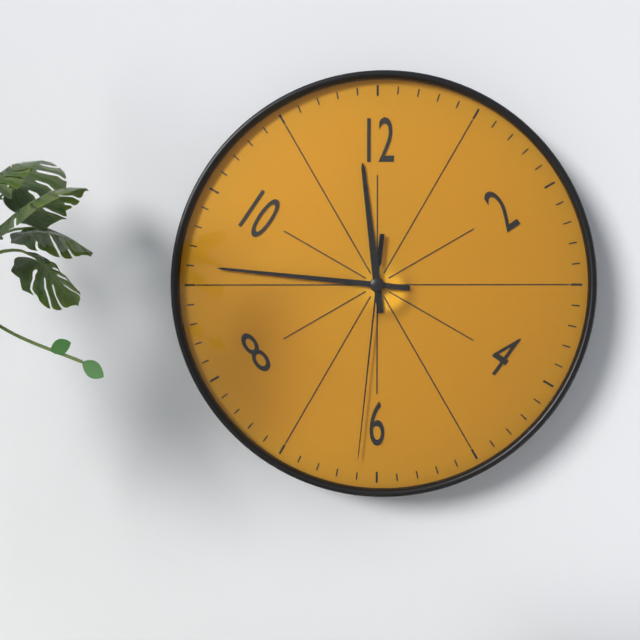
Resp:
h=11 m=46 s=31
